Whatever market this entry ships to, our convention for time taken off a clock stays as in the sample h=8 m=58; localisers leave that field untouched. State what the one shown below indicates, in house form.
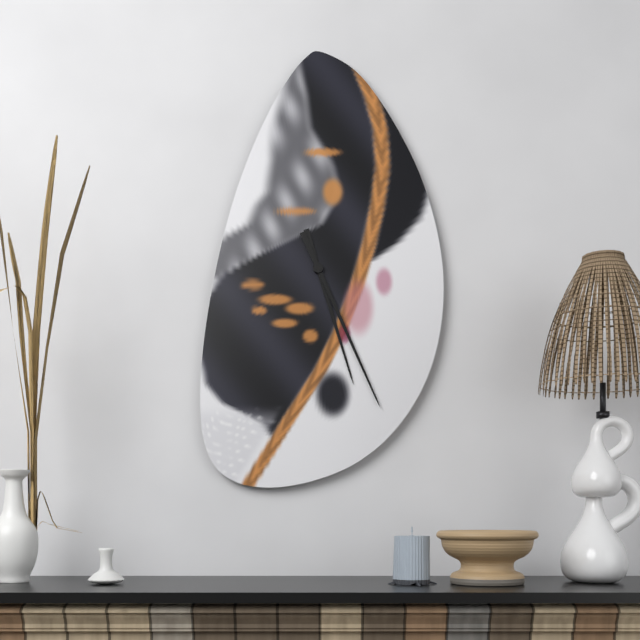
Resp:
h=5 m=26
